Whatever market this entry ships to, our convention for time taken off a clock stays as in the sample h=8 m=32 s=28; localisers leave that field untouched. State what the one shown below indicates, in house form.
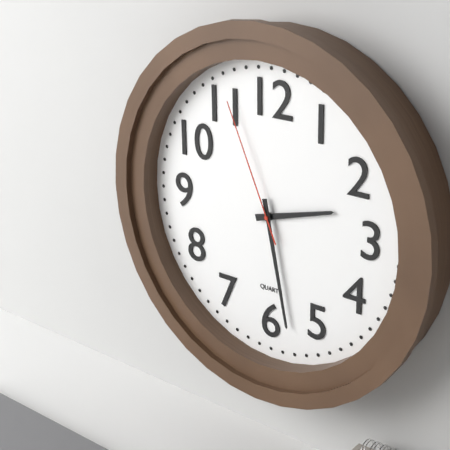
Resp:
h=2 m=28 s=56
